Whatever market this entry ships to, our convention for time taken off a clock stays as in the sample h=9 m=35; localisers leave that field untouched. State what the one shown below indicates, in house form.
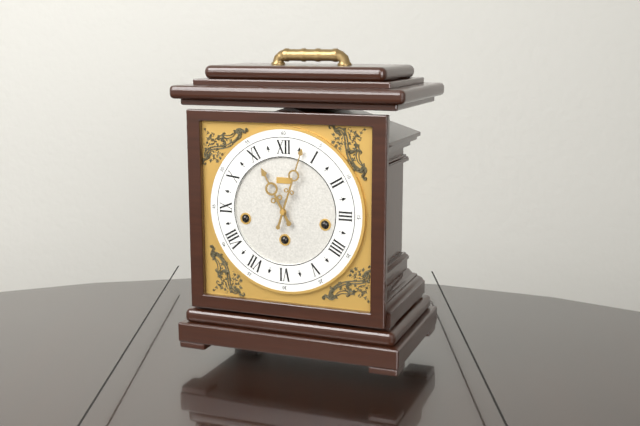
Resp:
h=11 m=3
